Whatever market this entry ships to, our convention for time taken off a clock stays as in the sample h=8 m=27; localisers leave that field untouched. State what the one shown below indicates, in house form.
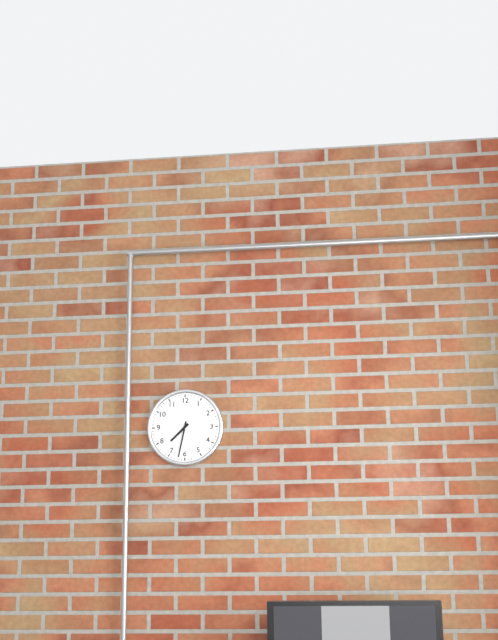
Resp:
h=7 m=32
